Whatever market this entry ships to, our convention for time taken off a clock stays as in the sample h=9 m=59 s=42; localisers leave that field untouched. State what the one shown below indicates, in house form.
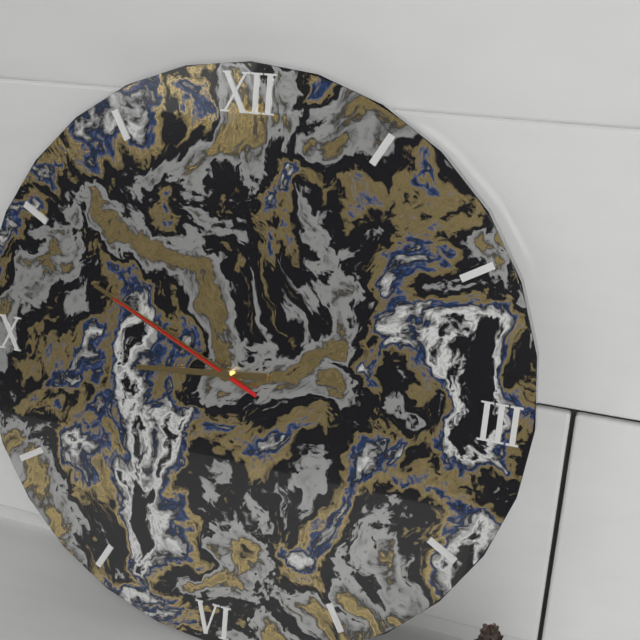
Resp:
h=8 m=49 s=49
